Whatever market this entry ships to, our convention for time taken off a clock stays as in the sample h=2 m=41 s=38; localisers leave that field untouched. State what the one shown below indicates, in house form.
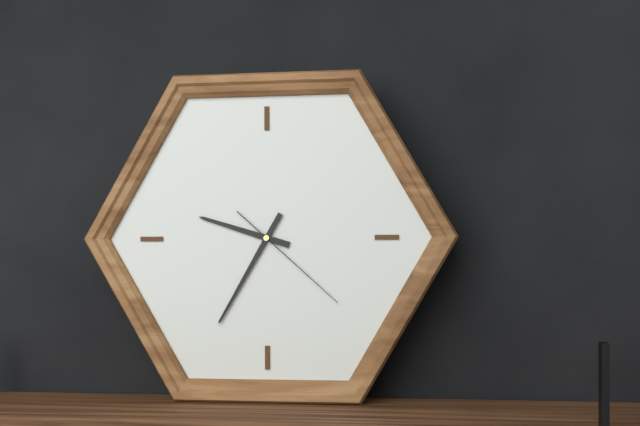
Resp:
h=9 m=35 s=22
